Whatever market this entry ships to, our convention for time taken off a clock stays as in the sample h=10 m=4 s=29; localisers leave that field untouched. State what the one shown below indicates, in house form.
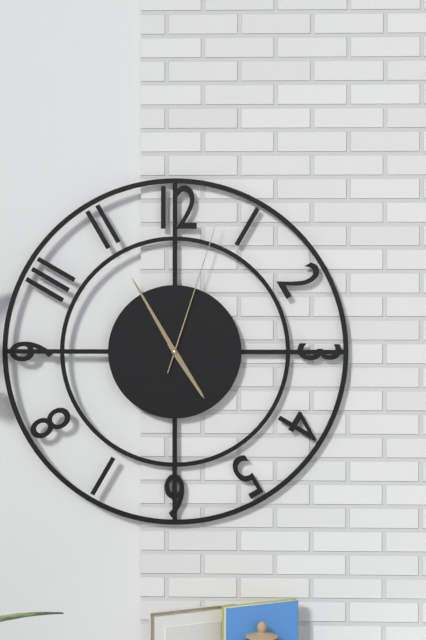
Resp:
h=4 m=55 s=3
